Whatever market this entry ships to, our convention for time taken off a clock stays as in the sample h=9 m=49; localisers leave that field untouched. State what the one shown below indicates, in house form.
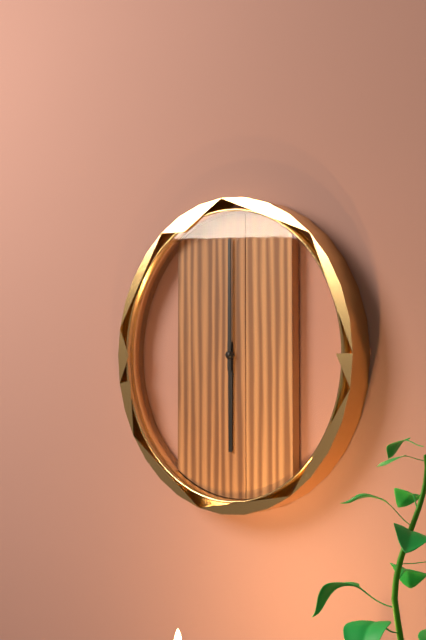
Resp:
h=6 m=0
